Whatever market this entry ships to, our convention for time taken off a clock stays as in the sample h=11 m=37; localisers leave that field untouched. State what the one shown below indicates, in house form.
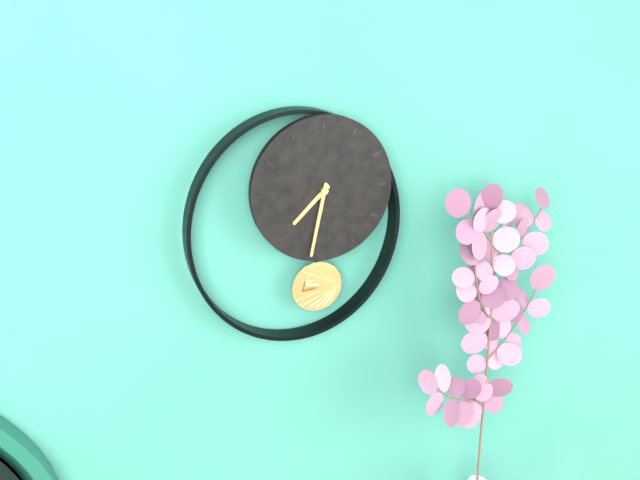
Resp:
h=7 m=32
